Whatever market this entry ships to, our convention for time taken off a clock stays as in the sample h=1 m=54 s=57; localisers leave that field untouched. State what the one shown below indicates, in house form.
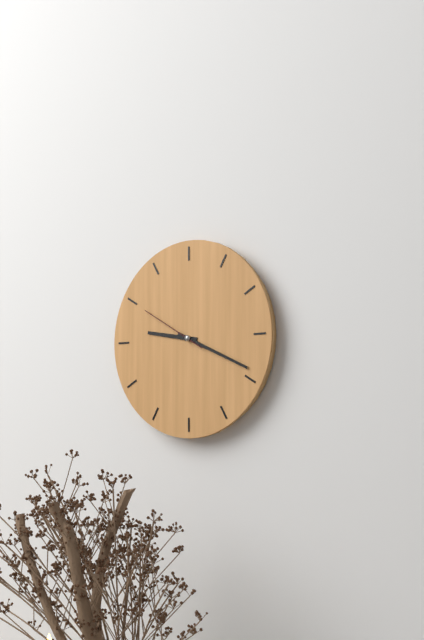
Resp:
h=9 m=19 s=50
